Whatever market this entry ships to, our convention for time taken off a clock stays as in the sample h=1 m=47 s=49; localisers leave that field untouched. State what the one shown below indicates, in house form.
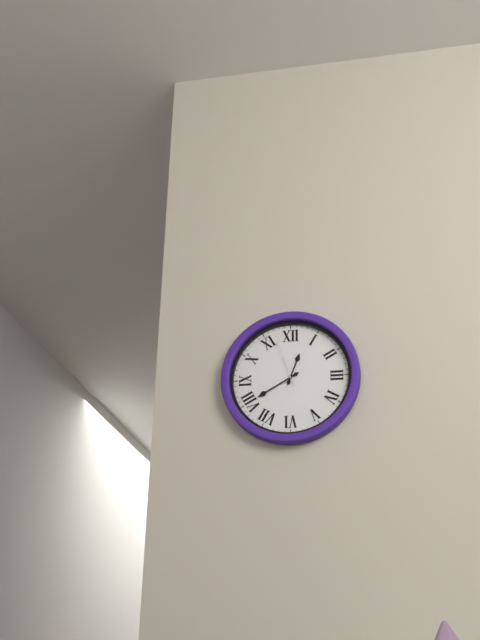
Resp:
h=12 m=40 s=57
